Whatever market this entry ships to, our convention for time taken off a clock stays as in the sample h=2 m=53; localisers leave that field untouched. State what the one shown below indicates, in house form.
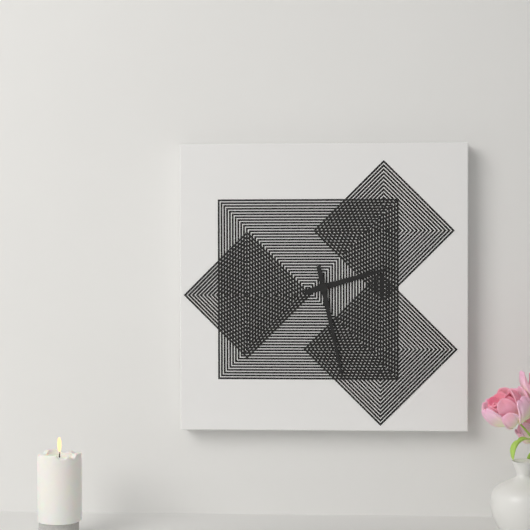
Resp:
h=2 m=28
